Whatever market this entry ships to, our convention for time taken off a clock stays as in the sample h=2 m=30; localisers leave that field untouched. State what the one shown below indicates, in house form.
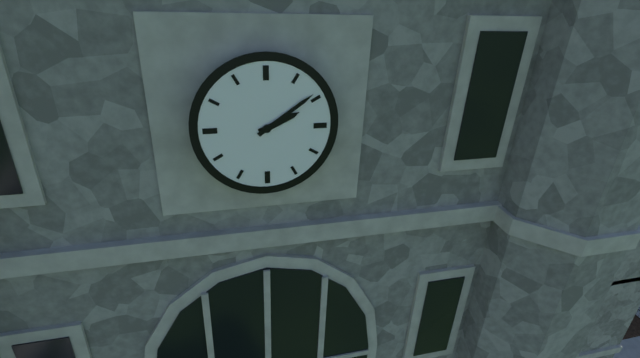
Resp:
h=2 m=9
